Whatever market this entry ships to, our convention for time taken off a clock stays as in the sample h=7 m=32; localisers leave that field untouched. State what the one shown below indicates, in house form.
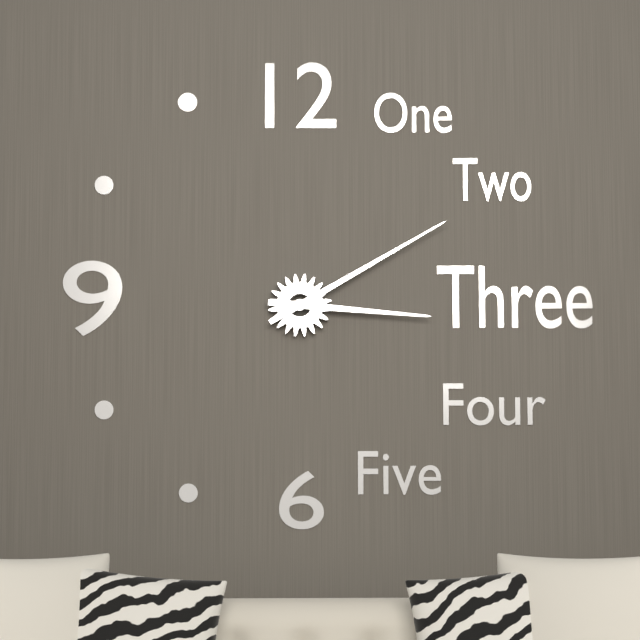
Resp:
h=3 m=10
